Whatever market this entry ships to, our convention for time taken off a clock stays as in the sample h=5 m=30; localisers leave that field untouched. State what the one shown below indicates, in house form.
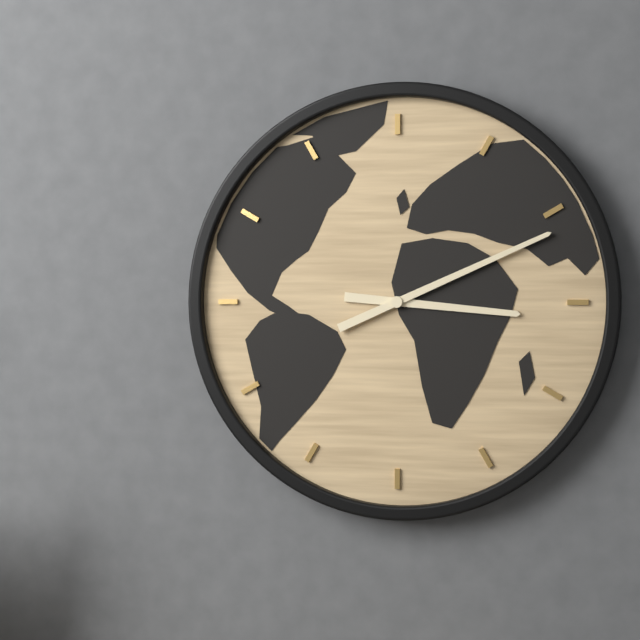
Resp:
h=3 m=11
